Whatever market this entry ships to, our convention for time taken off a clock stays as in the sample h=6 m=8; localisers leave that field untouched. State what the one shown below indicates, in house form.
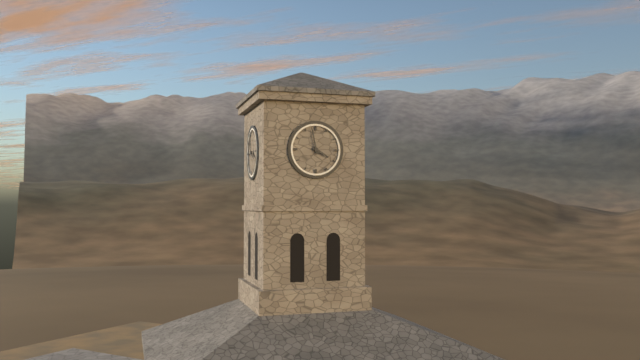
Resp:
h=3 m=58
